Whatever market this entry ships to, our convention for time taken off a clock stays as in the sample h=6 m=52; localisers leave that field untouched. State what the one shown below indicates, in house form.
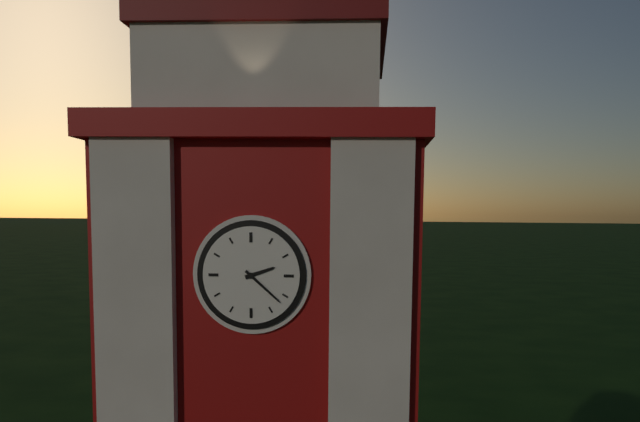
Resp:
h=2 m=22
